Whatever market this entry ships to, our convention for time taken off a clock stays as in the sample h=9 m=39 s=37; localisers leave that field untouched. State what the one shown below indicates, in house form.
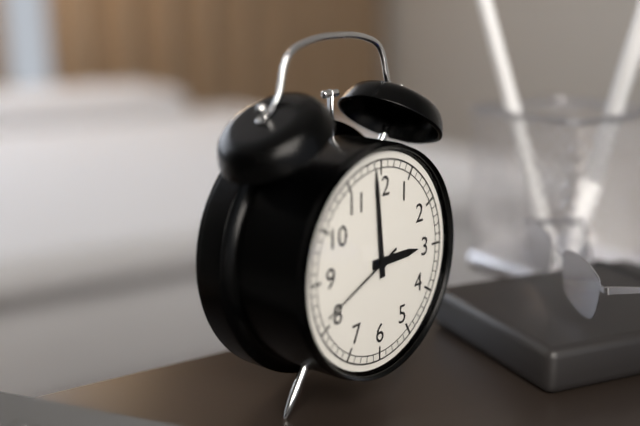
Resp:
h=2 m=59 s=41
